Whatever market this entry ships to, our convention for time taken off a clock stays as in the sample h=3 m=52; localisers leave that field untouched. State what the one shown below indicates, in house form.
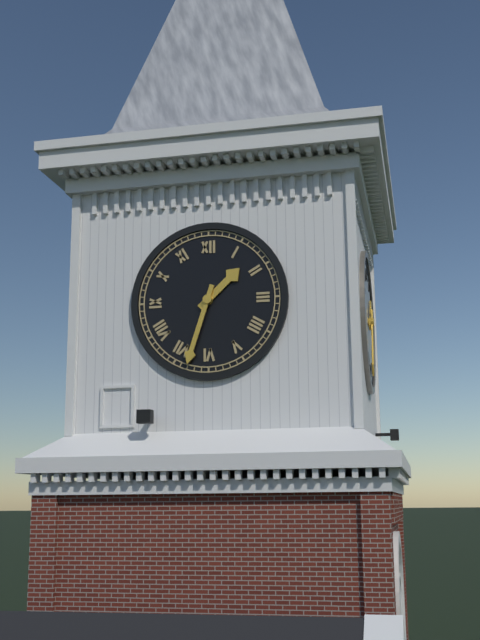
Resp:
h=1 m=33
